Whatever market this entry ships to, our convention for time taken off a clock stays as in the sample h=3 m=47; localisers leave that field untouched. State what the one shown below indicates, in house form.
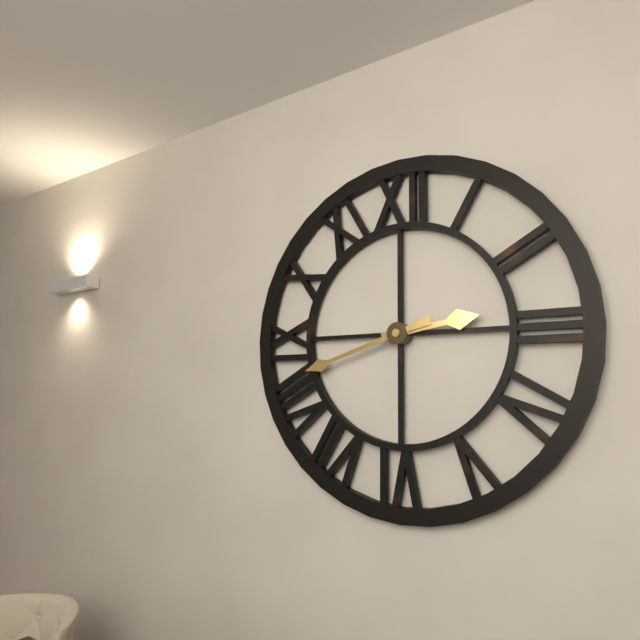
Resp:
h=2 m=42
